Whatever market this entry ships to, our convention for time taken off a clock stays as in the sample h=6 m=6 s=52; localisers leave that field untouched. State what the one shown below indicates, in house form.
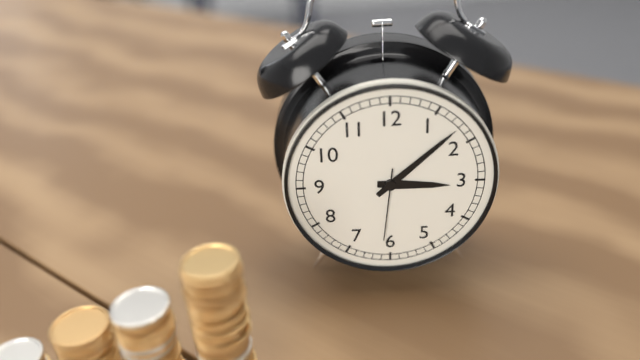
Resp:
h=3 m=8 s=31
